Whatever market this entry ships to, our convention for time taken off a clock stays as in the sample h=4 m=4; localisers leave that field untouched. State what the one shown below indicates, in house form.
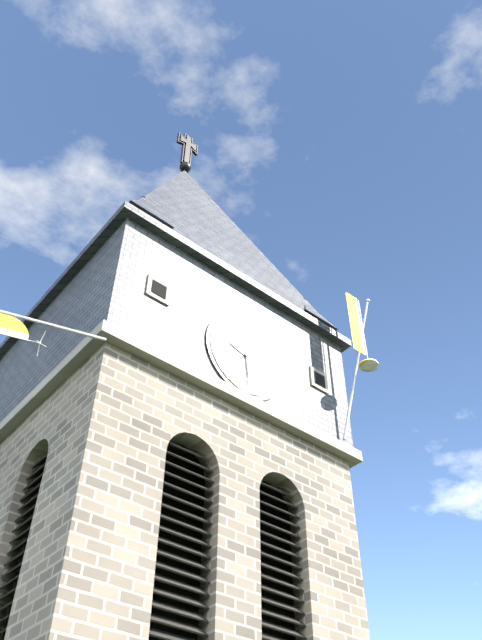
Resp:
h=9 m=29
